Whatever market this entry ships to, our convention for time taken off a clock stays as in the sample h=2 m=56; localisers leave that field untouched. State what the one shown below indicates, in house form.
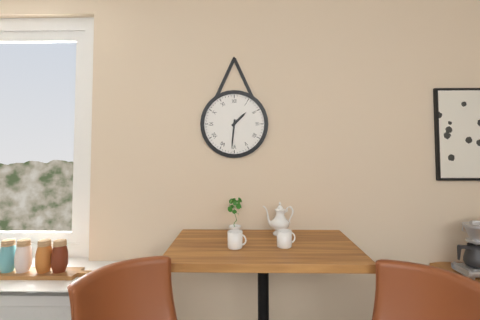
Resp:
h=1 m=31
